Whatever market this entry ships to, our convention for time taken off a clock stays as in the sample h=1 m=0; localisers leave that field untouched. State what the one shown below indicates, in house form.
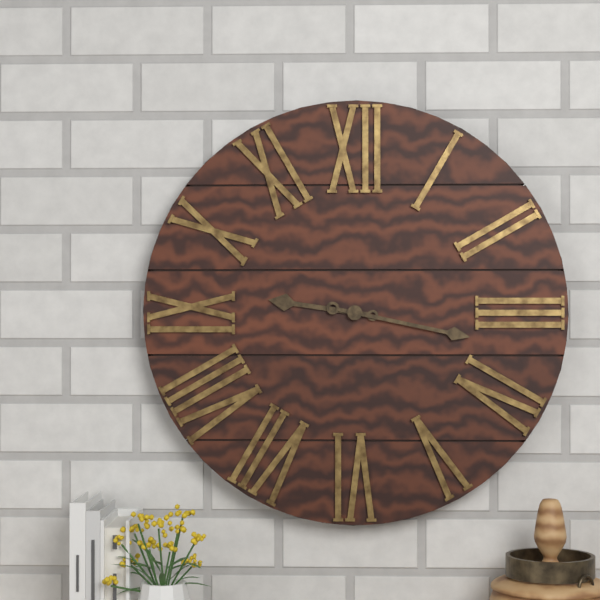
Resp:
h=9 m=17
